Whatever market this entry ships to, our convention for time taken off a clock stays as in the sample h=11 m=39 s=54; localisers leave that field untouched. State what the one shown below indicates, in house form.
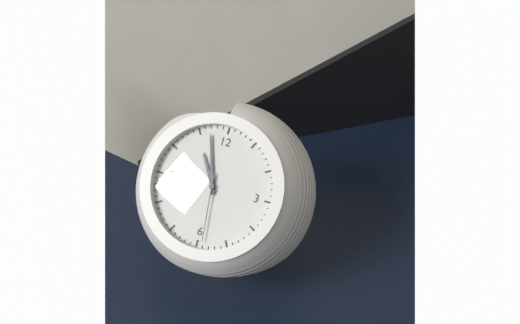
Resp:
h=10 m=57 s=29
